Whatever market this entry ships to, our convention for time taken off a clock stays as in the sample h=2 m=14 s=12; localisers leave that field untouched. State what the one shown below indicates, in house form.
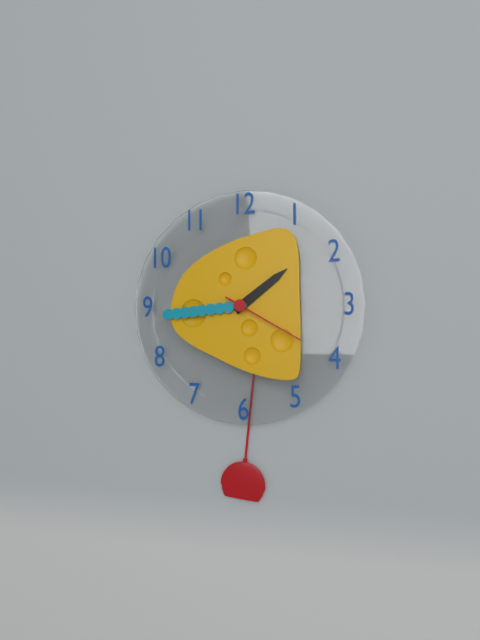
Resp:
h=1 m=44 s=20
